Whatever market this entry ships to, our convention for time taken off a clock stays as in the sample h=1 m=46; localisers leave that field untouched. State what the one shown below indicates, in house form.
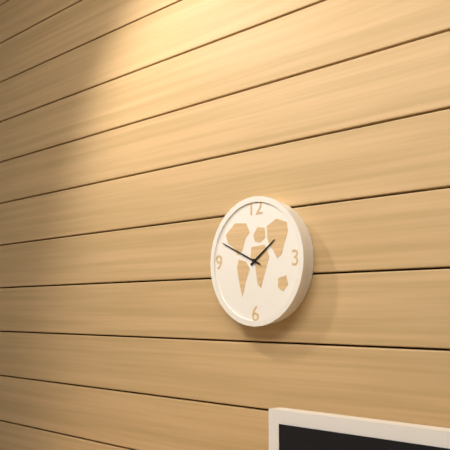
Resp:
h=1 m=49
